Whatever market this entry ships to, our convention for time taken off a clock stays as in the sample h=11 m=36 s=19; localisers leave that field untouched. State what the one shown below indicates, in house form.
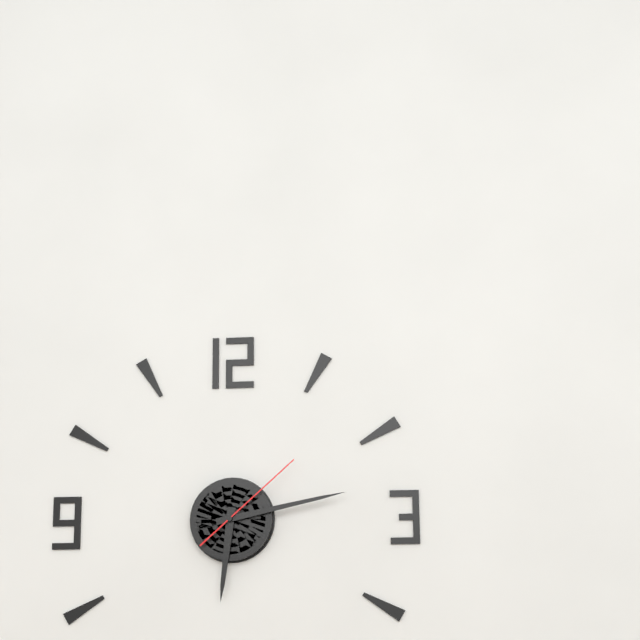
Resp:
h=6 m=13 s=8
